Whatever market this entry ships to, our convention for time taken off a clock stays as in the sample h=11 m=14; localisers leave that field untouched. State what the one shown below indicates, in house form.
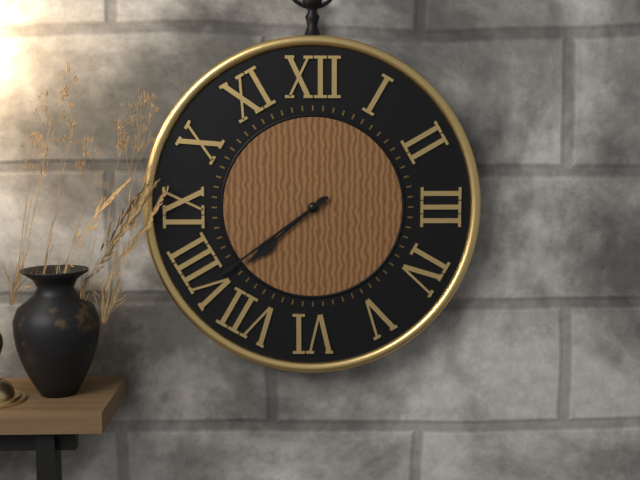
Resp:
h=7 m=39
